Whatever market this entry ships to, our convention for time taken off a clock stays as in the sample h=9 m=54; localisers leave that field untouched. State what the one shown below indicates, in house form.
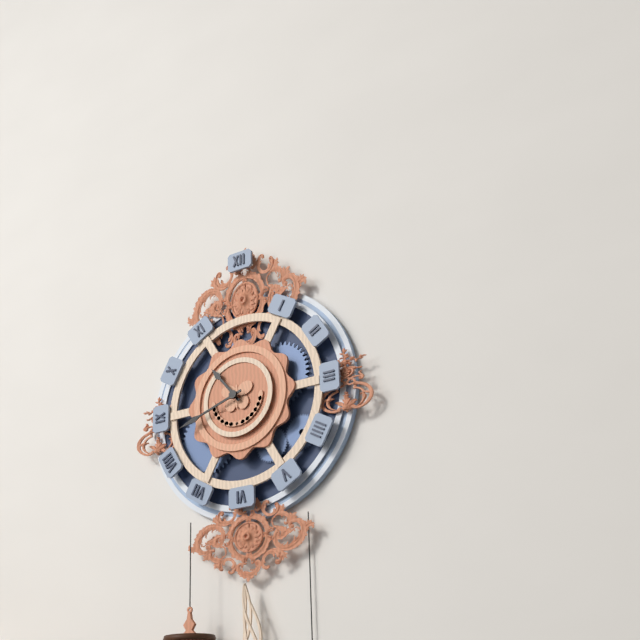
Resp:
h=10 m=42
